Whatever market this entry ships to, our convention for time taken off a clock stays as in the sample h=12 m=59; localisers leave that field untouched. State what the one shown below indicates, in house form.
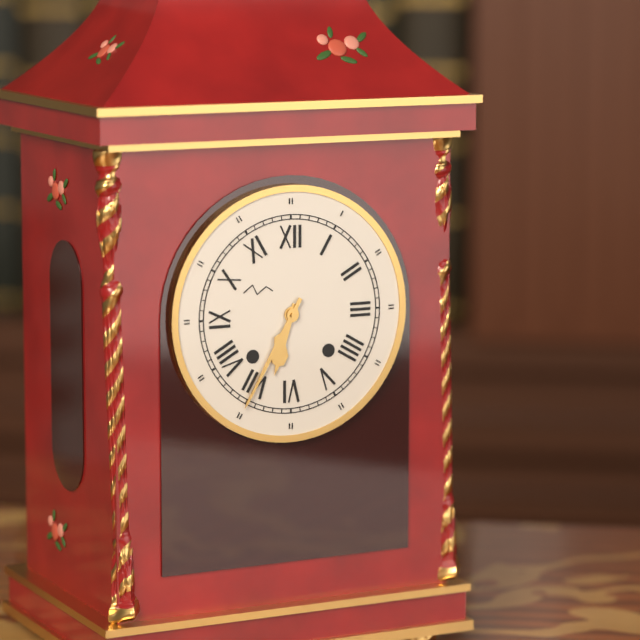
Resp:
h=6 m=35
